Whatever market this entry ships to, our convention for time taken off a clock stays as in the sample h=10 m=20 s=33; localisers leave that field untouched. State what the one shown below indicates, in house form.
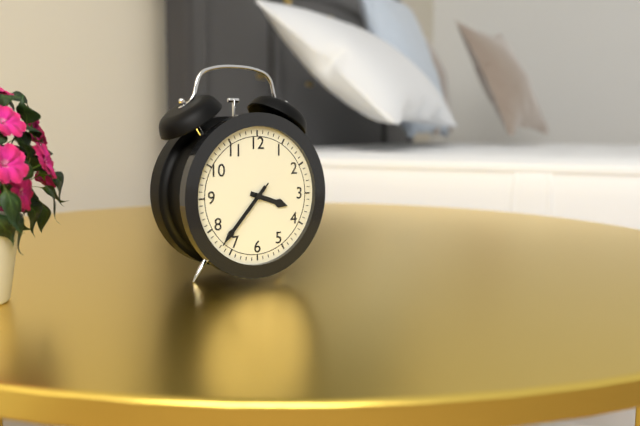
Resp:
h=3 m=37 s=37
